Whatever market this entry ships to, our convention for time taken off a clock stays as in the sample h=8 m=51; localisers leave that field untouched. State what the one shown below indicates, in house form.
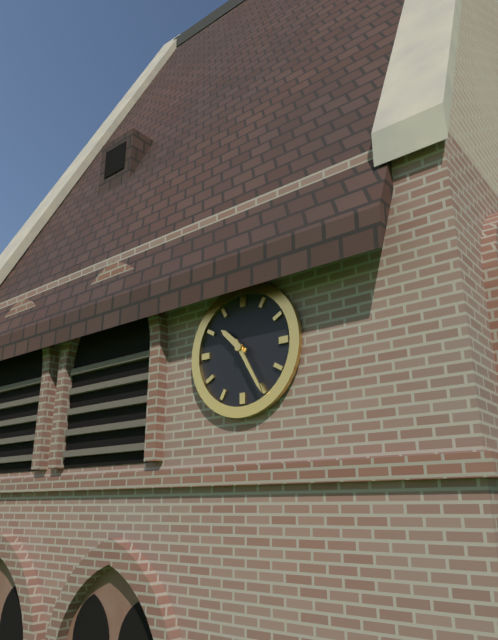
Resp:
h=10 m=25
